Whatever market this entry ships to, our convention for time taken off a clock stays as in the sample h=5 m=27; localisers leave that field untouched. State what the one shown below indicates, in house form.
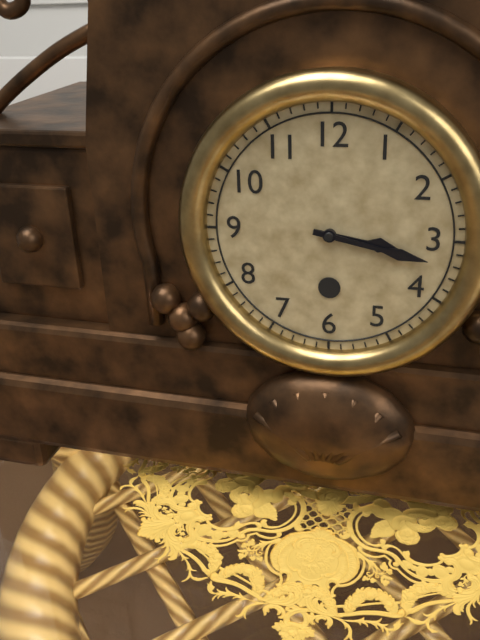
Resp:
h=3 m=17
